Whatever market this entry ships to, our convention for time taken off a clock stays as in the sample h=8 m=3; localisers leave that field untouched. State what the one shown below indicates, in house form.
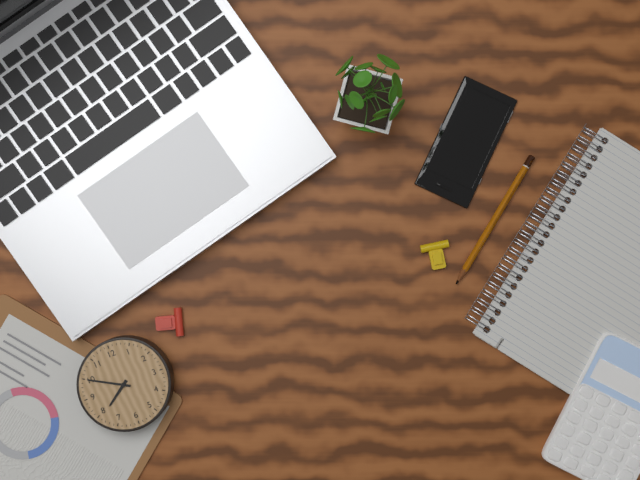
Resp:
h=7 m=50
